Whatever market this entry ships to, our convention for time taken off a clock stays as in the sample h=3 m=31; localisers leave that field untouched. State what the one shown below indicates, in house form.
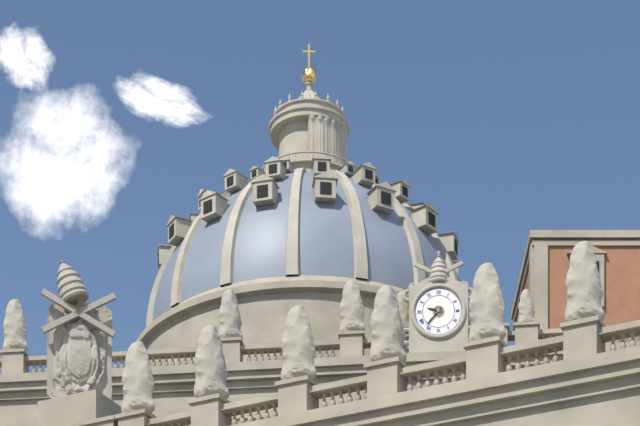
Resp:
h=9 m=37
